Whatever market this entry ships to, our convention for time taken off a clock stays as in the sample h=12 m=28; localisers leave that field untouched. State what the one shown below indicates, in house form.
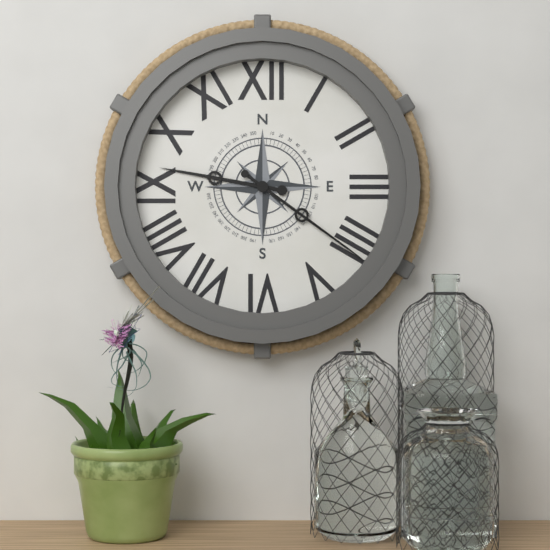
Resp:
h=9 m=21
